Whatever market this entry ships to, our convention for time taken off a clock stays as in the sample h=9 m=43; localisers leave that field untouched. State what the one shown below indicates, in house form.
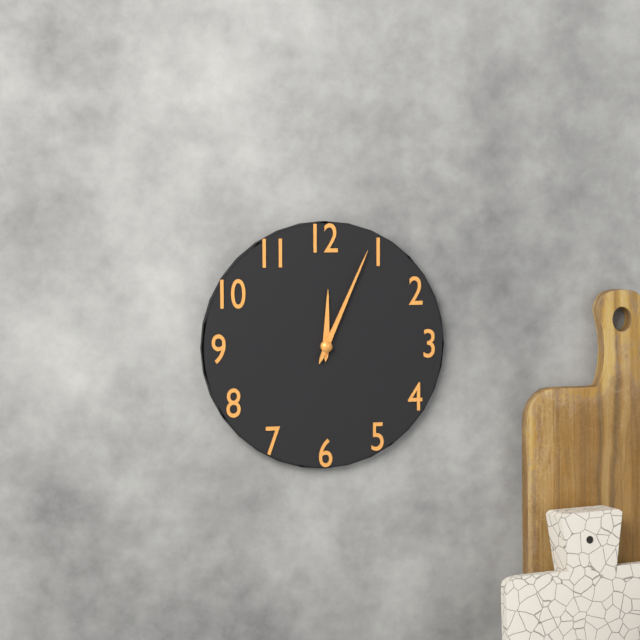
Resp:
h=12 m=4
